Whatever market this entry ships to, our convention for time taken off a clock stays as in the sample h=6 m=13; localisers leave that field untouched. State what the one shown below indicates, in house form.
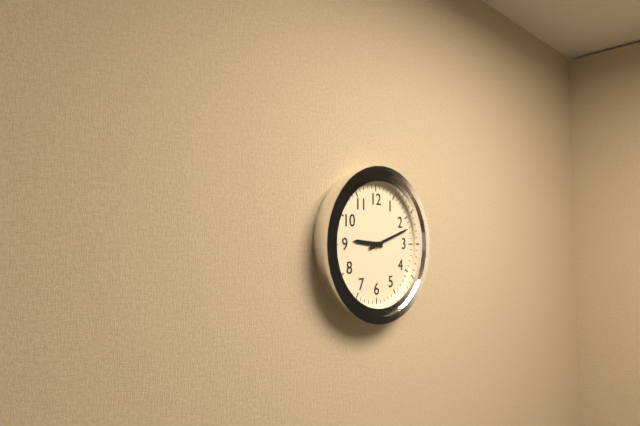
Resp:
h=9 m=12
